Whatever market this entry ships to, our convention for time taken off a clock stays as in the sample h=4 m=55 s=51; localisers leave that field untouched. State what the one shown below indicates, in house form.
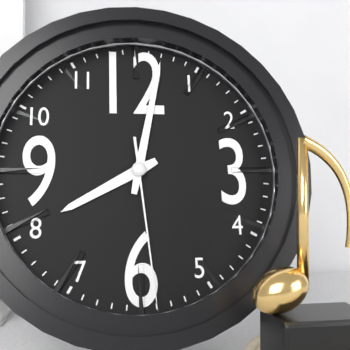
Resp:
h=8 m=2 s=29
